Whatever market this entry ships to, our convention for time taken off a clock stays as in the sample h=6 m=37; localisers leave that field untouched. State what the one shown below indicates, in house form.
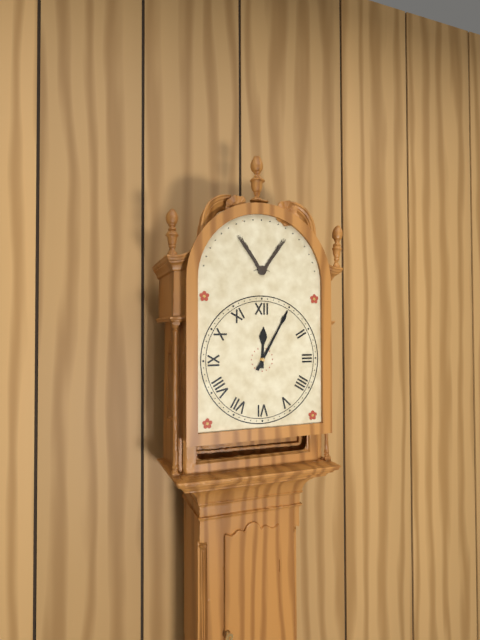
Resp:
h=12 m=5
